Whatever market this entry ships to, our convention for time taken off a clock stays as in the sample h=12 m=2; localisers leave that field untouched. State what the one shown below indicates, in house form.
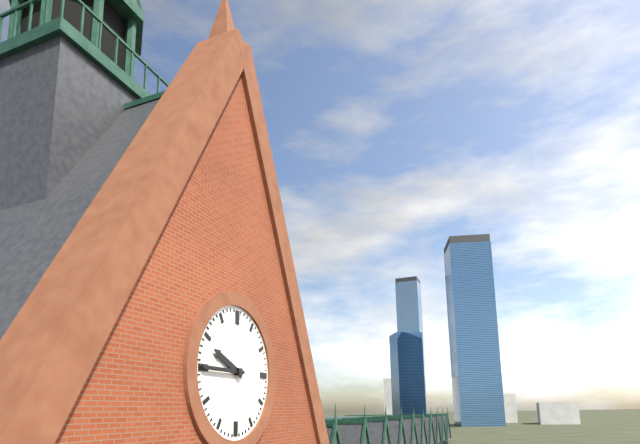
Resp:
h=9 m=45
